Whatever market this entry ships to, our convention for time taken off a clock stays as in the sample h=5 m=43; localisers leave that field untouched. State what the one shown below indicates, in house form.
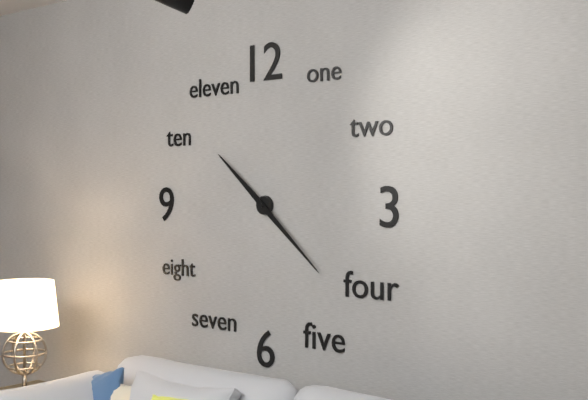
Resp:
h=10 m=22
